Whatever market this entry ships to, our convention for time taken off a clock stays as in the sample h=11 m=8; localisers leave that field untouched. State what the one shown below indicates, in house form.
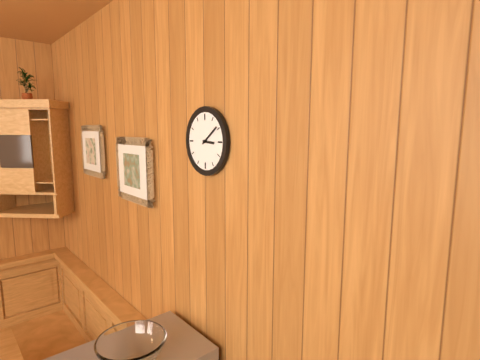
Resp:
h=3 m=9
